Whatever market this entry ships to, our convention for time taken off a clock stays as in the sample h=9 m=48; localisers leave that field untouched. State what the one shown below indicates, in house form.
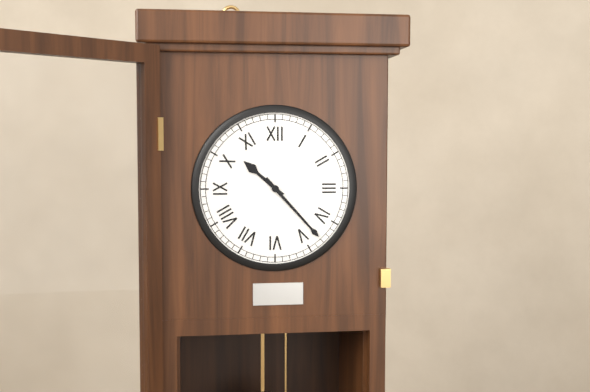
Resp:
h=10 m=23
